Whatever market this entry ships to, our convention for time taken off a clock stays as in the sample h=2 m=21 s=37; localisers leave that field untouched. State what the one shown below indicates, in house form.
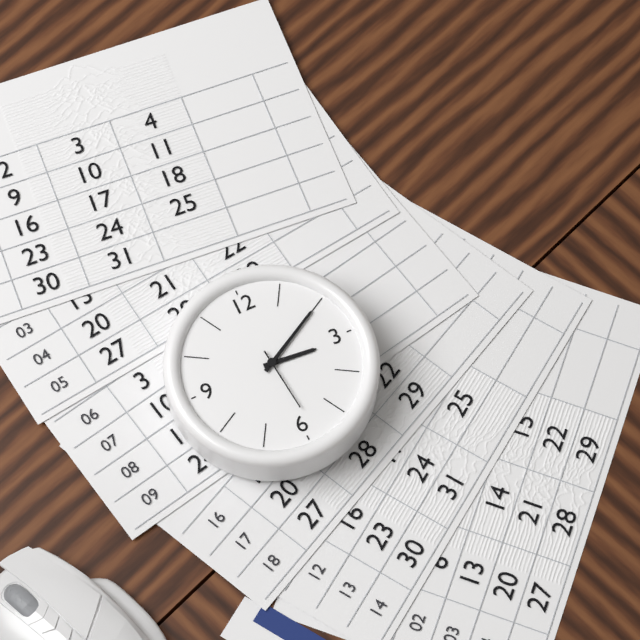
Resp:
h=3 m=10 s=29
